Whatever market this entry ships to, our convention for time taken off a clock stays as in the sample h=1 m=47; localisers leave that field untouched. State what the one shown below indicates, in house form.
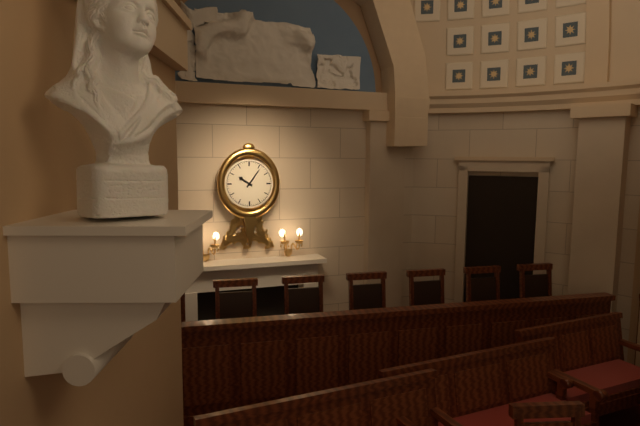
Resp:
h=10 m=6
